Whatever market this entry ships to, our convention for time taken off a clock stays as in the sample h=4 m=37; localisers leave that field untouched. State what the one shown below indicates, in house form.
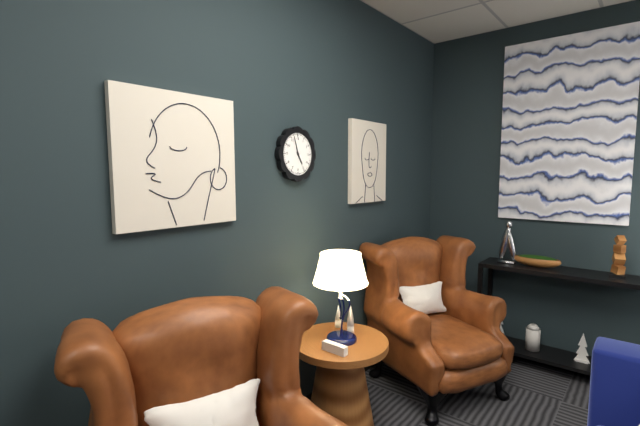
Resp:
h=4 m=57
